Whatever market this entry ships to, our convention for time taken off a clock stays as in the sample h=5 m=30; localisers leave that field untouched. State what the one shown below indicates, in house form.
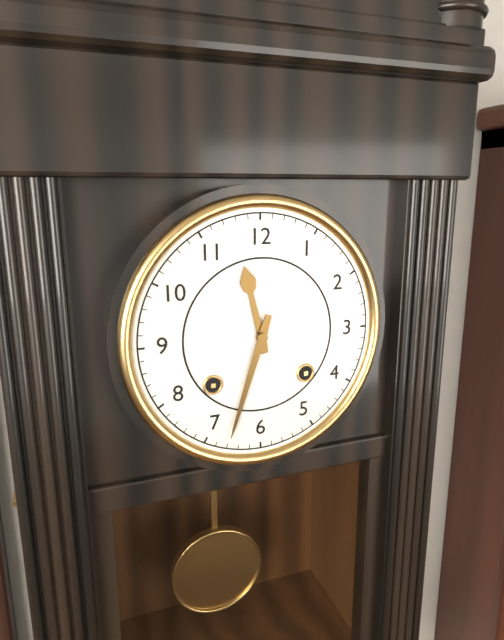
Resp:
h=11 m=33
